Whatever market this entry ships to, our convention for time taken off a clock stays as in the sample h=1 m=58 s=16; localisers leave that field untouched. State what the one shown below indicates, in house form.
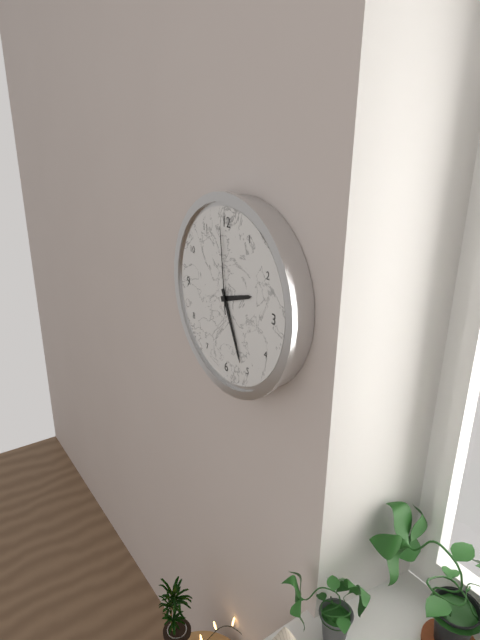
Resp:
h=2 m=26 s=59
